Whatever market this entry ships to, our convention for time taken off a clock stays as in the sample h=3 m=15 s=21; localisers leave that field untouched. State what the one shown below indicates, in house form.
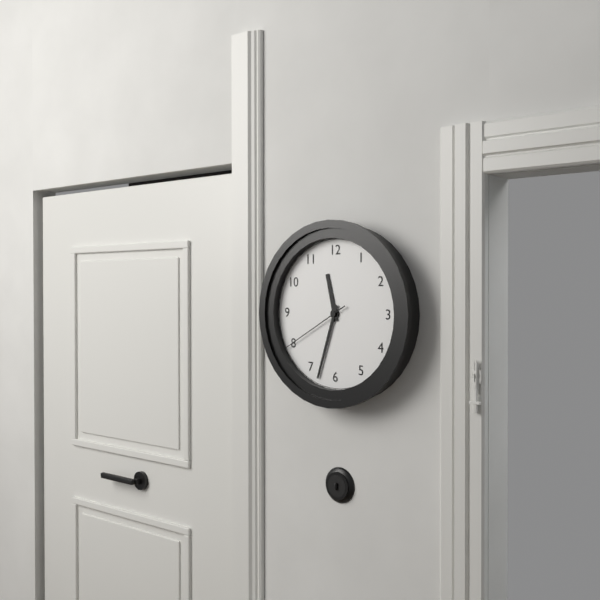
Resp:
h=11 m=33 s=40
